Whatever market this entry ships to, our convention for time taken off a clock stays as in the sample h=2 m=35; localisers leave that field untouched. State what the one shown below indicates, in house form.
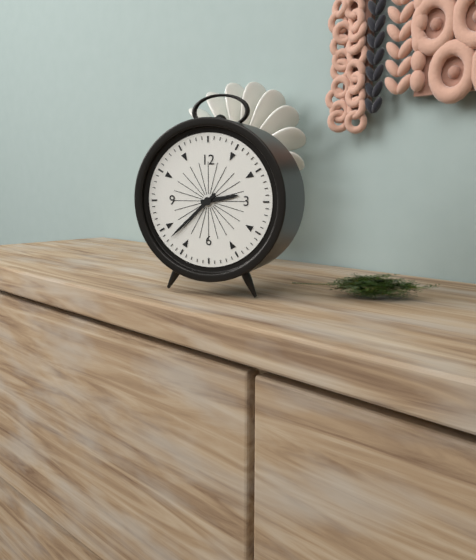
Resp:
h=2 m=38
